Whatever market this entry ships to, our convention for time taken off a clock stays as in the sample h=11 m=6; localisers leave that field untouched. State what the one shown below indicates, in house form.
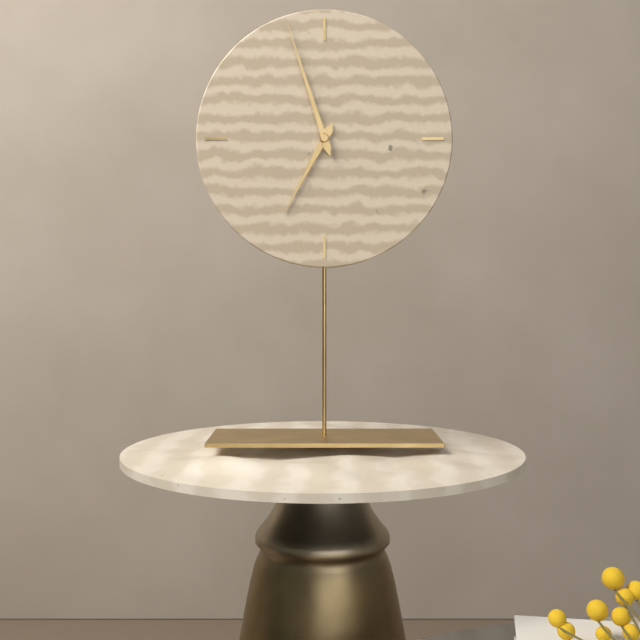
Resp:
h=6 m=57
